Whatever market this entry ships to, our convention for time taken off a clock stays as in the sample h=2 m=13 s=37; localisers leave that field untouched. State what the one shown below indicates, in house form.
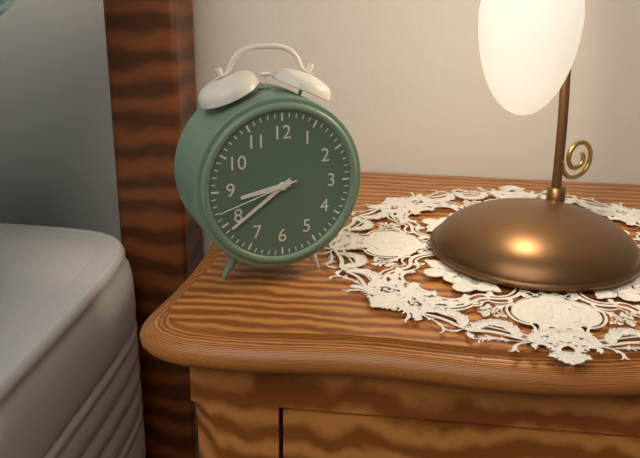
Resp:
h=8 m=39 s=42
